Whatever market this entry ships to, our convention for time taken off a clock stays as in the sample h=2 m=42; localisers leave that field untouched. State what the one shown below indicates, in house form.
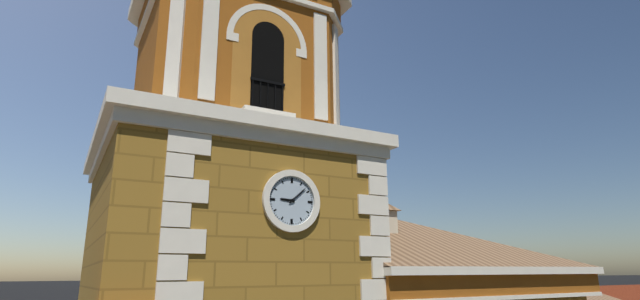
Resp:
h=9 m=8
